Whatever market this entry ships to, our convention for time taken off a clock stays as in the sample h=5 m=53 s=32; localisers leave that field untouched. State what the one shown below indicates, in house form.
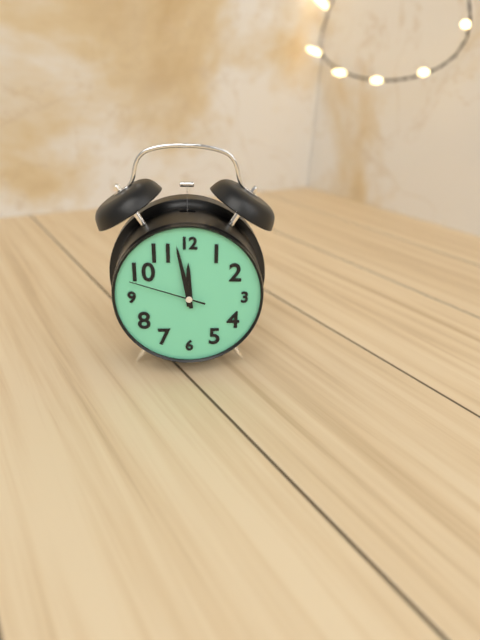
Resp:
h=11 m=58 s=48
